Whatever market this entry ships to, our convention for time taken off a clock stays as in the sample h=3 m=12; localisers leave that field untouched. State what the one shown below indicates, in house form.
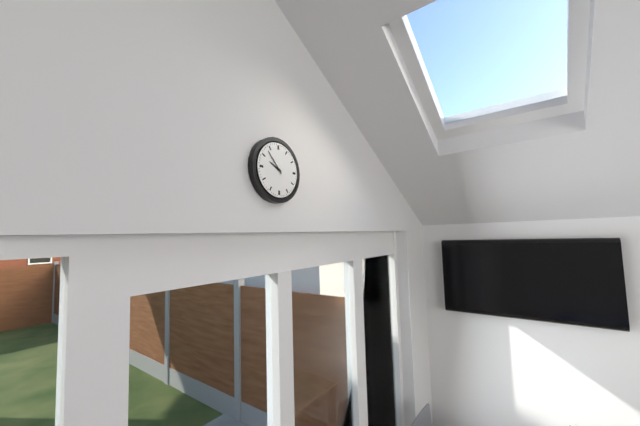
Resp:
h=9 m=53
